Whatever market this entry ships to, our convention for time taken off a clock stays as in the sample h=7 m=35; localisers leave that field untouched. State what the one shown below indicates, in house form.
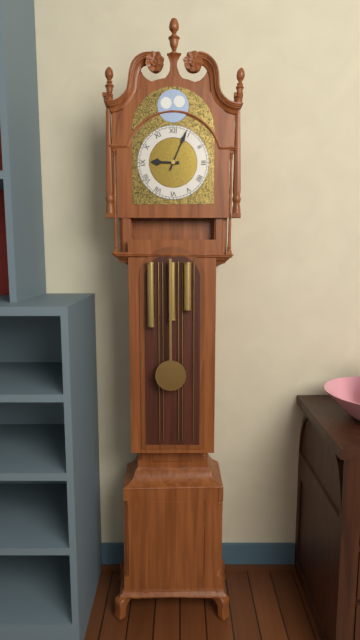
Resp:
h=9 m=4
